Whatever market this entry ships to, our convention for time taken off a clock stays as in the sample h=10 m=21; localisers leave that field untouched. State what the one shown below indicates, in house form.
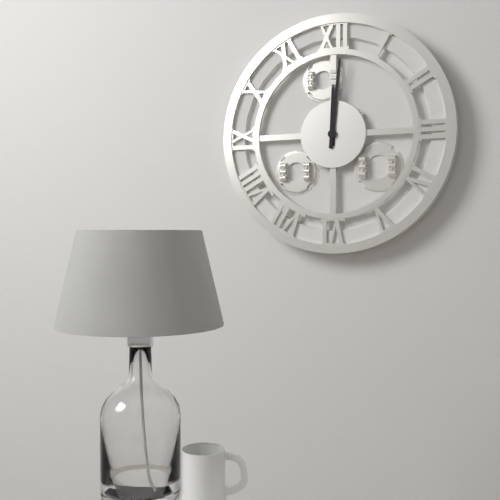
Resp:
h=12 m=1
